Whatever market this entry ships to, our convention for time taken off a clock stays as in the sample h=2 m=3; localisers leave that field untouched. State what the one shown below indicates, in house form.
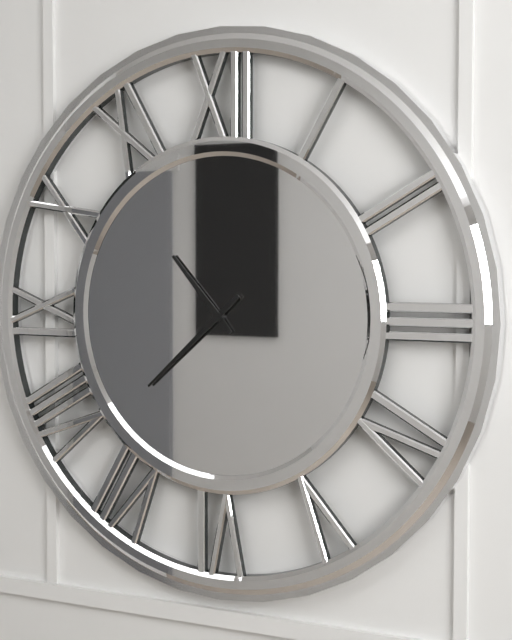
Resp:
h=10 m=38
